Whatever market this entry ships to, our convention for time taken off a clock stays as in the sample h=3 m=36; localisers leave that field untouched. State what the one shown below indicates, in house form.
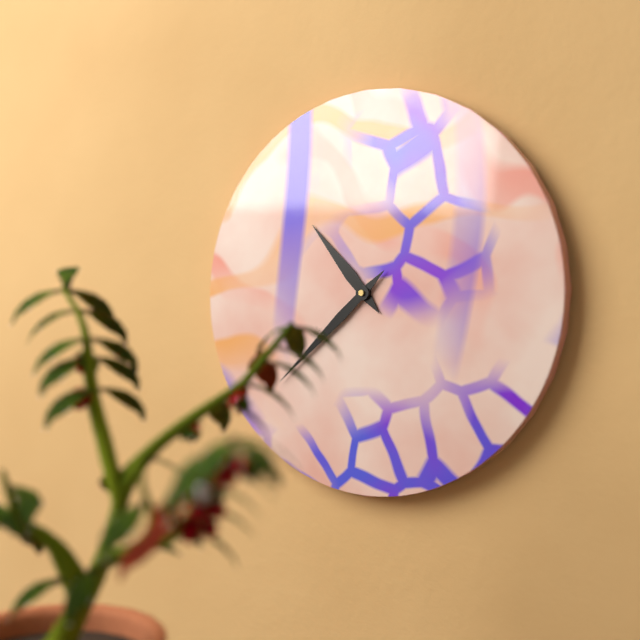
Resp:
h=10 m=38
